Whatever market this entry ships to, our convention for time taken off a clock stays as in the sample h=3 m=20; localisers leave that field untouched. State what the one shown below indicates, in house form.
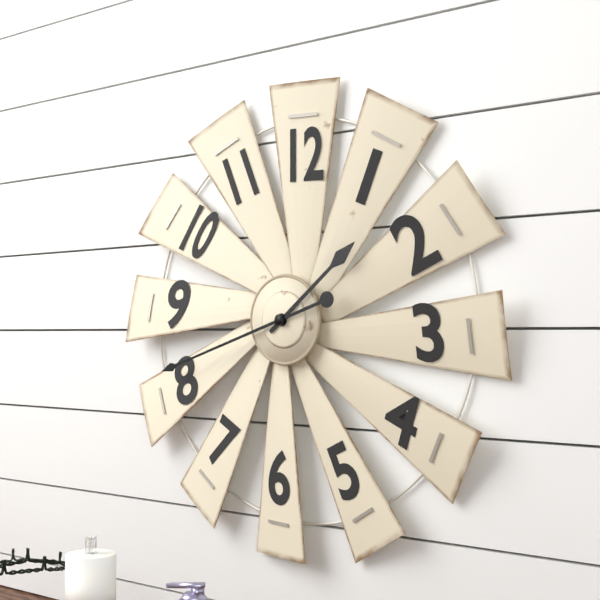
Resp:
h=1 m=42
